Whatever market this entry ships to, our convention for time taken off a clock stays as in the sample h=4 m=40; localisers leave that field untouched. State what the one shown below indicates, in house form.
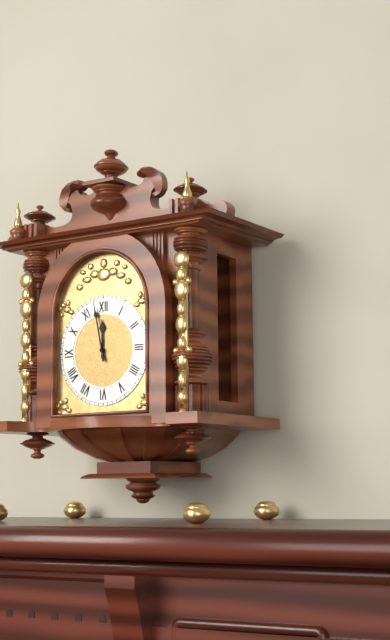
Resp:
h=11 m=58
